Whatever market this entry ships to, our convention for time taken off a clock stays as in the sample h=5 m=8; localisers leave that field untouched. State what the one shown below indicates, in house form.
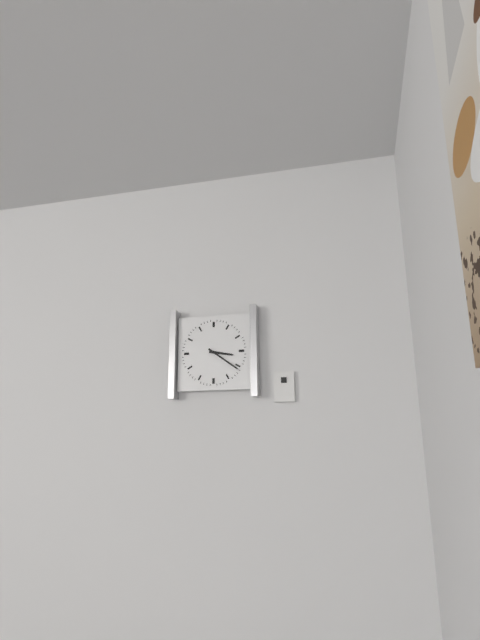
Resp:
h=3 m=21
